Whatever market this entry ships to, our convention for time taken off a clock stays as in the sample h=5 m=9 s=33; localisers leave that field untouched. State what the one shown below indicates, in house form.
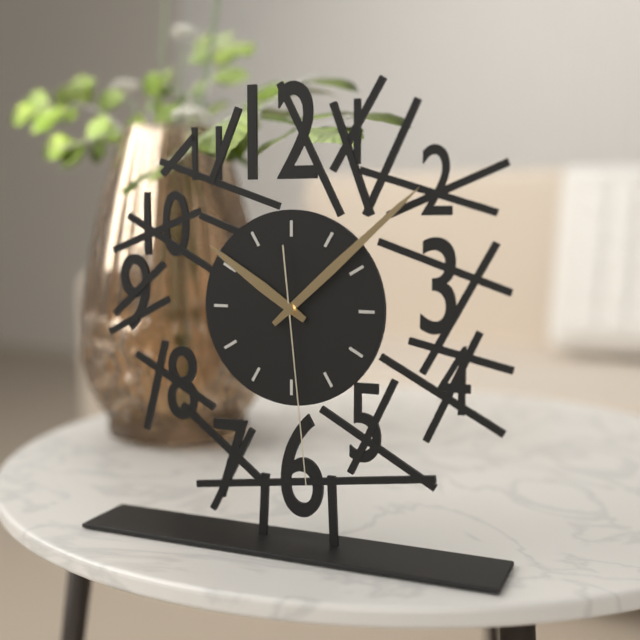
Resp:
h=10 m=8 s=29
